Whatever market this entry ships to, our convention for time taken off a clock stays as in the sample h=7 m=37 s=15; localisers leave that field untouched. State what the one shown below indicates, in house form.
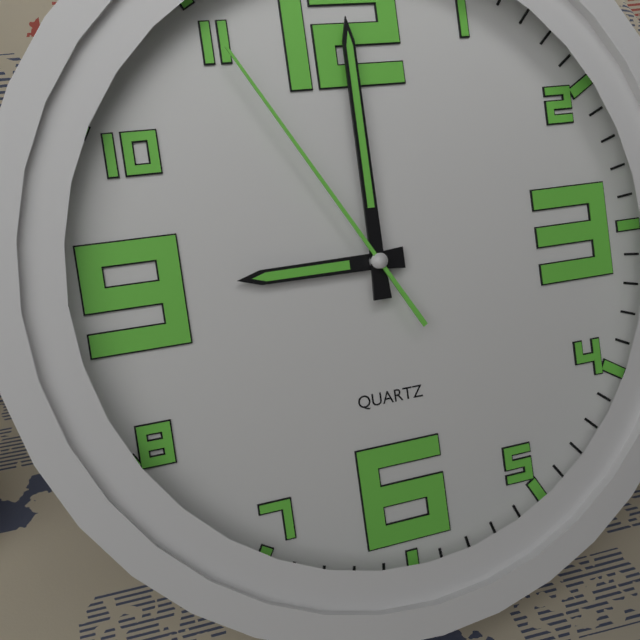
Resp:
h=9 m=0 s=55
